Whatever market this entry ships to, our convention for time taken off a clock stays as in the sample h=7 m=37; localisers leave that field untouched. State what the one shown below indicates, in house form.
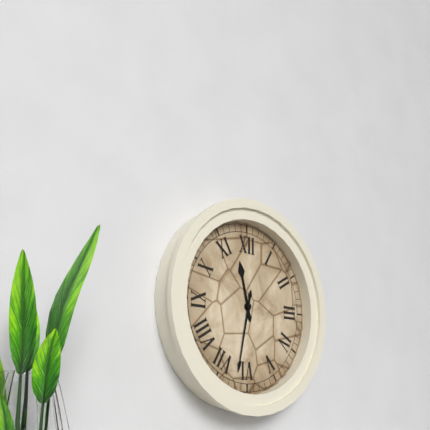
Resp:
h=11 m=32
